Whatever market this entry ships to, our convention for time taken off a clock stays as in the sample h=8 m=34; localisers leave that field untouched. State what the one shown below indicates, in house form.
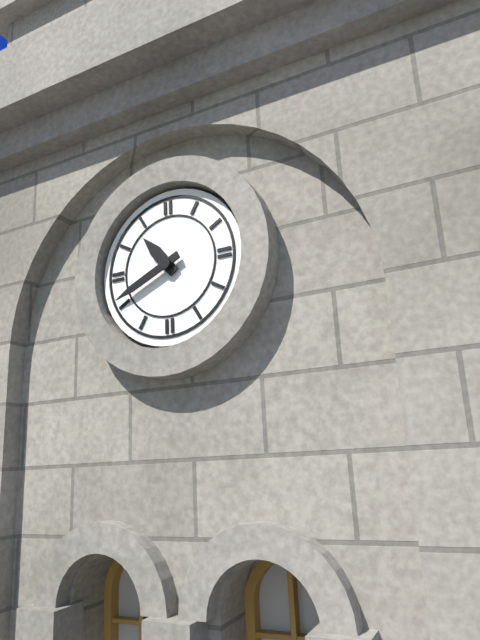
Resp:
h=10 m=41
